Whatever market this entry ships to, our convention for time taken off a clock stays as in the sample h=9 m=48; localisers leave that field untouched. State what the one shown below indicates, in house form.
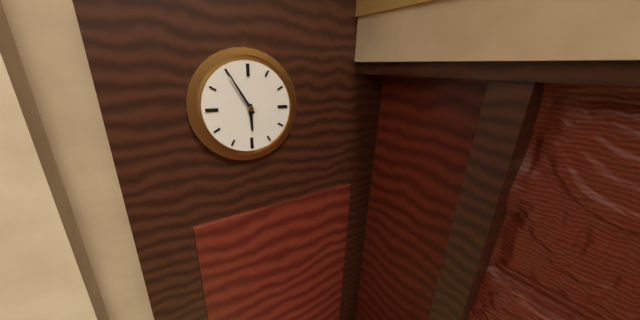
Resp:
h=5 m=55
